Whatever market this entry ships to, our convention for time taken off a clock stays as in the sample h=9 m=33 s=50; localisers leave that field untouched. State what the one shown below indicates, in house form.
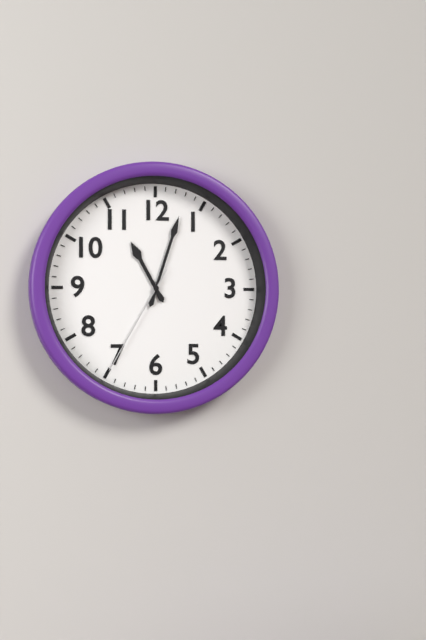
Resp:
h=11 m=3 s=35
